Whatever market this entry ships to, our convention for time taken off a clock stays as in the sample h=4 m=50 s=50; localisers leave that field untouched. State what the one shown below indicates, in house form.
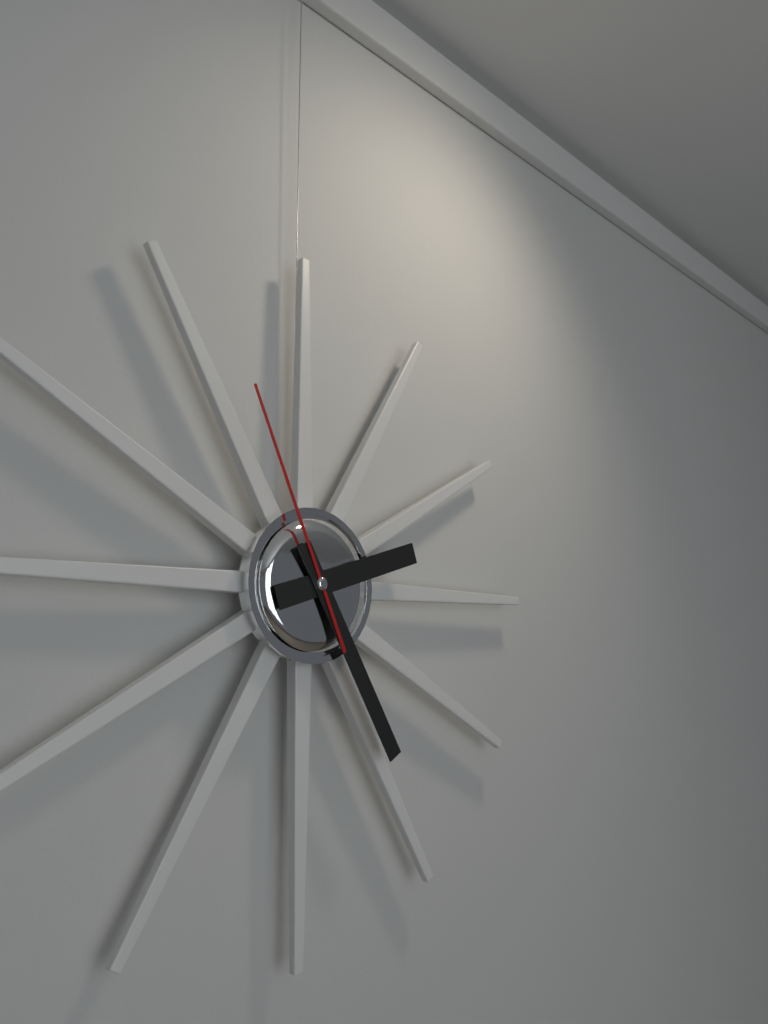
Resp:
h=2 m=25 s=56
